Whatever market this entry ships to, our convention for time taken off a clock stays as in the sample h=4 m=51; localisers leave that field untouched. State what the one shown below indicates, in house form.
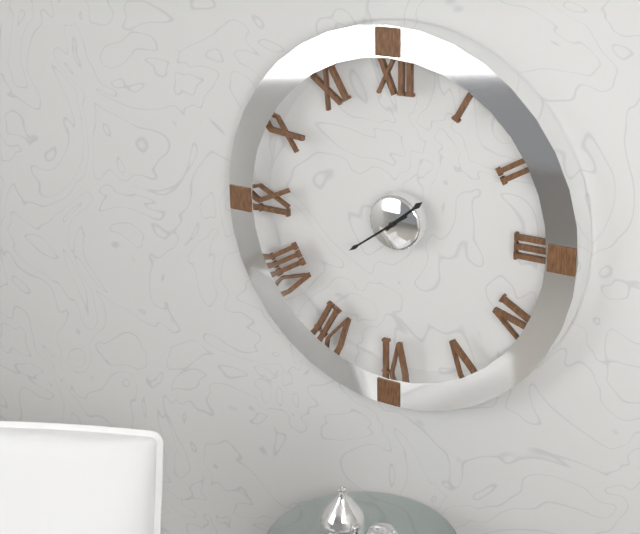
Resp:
h=1 m=39
